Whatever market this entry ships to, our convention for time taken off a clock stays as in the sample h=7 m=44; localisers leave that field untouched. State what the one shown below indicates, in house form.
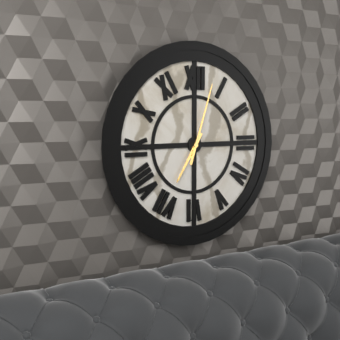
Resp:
h=7 m=3
